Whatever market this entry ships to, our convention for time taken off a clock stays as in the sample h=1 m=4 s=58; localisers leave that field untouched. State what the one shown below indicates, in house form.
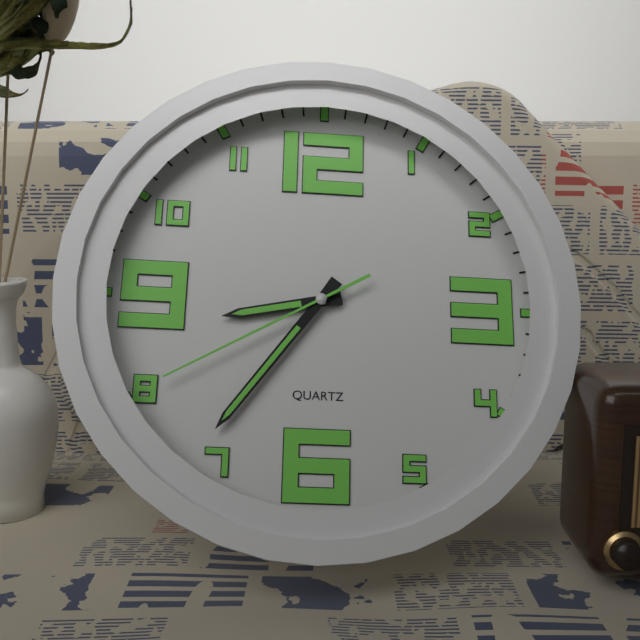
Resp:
h=8 m=36 s=40
